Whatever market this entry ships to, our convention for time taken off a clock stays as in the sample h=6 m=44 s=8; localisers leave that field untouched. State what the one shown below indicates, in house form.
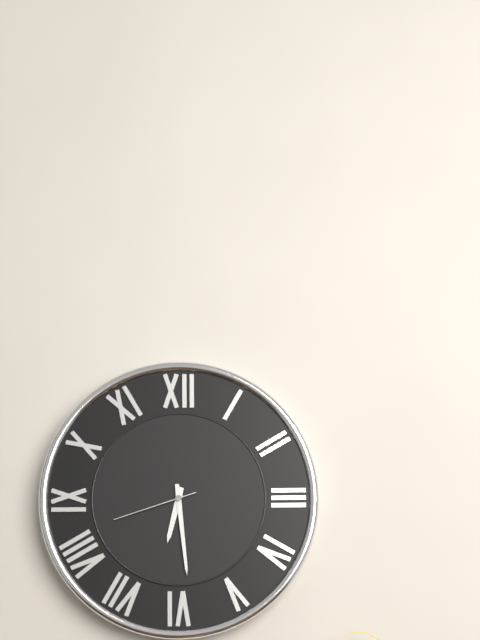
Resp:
h=6 m=29 s=42
